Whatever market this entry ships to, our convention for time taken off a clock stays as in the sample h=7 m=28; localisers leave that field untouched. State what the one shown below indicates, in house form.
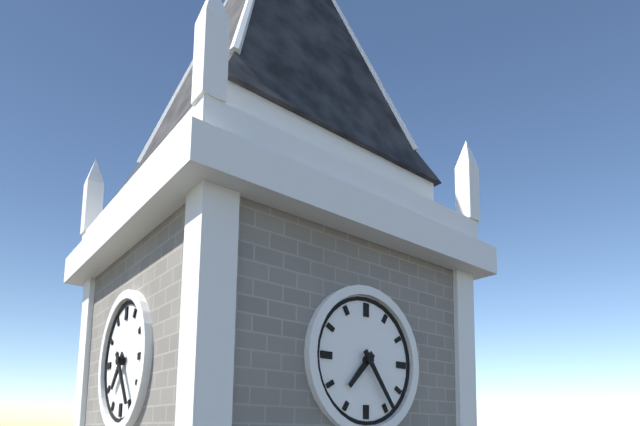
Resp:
h=7 m=24
